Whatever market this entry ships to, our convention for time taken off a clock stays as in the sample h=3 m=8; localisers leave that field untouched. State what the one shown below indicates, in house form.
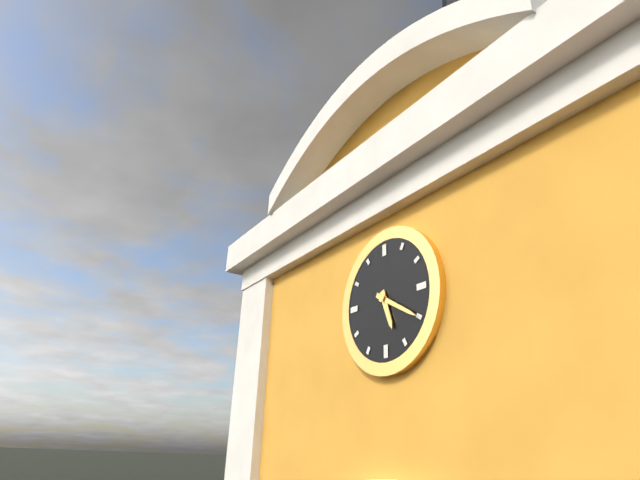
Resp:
h=5 m=20
